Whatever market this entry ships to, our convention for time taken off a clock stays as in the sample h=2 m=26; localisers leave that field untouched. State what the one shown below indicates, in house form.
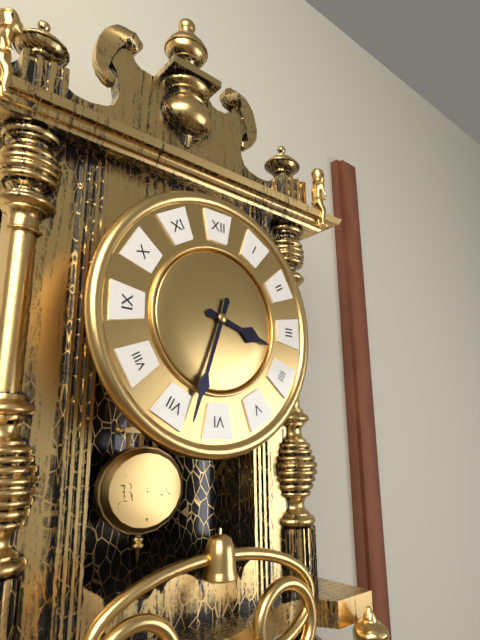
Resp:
h=3 m=33
